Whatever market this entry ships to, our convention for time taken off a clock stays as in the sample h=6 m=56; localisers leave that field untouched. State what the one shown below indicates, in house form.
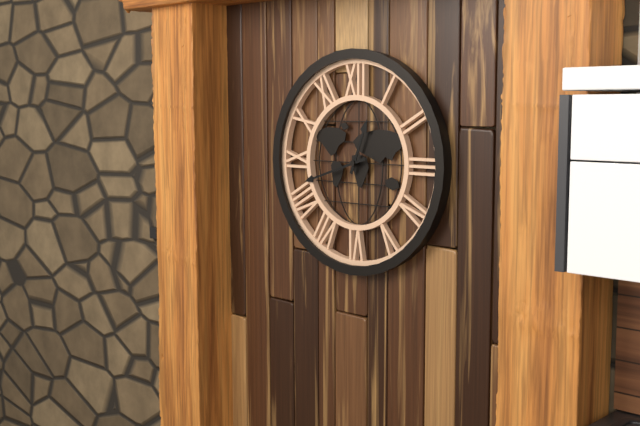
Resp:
h=12 m=42
